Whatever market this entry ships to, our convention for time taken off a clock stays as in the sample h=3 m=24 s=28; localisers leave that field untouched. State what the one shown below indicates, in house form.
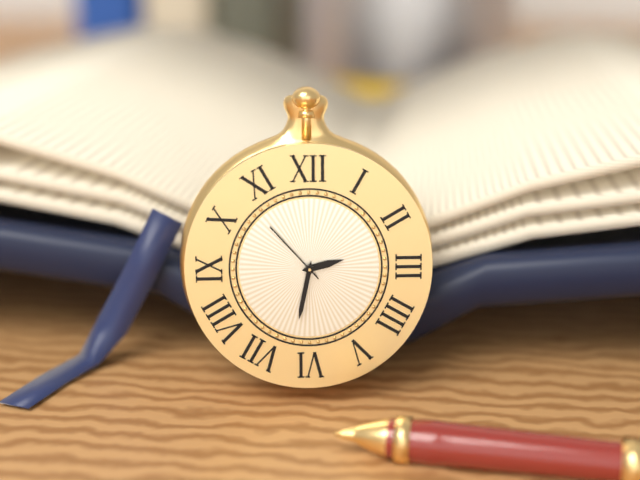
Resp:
h=2 m=32 s=53
